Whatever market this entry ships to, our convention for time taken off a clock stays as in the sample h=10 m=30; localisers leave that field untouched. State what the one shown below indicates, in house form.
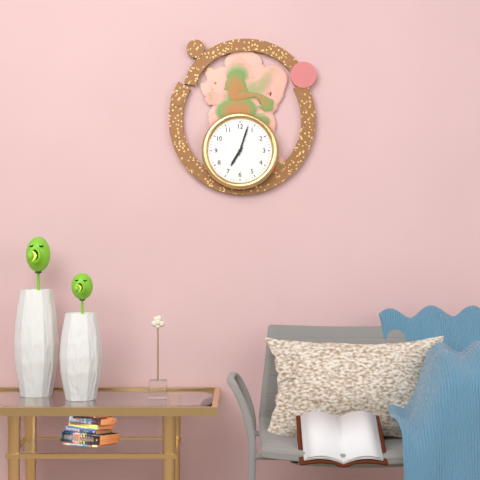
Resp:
h=7 m=3
